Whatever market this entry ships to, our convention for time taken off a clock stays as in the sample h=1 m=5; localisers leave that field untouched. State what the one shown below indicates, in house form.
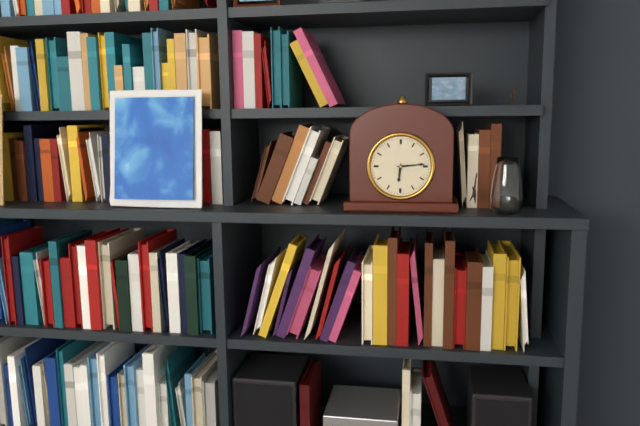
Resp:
h=6 m=14
